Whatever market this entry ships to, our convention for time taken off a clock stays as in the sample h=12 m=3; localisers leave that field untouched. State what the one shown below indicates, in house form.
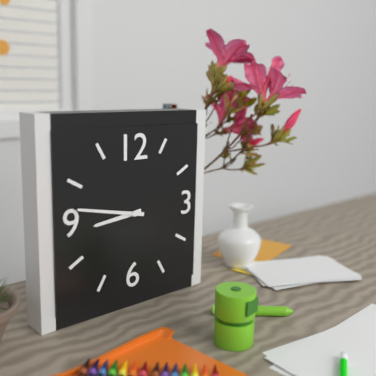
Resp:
h=8 m=47
